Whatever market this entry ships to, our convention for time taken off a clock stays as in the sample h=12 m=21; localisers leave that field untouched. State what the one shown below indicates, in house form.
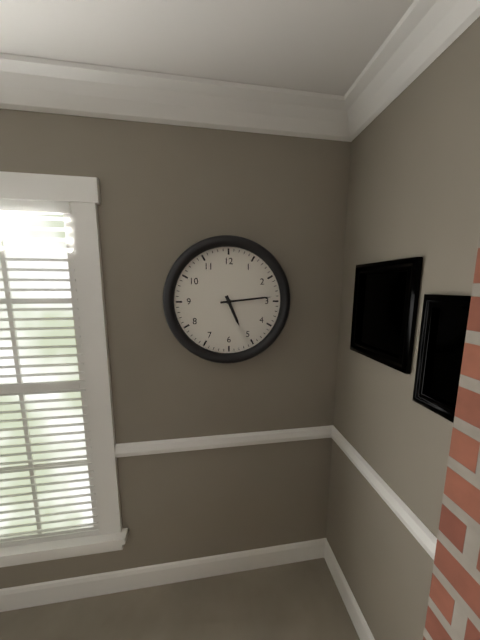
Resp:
h=5 m=14
